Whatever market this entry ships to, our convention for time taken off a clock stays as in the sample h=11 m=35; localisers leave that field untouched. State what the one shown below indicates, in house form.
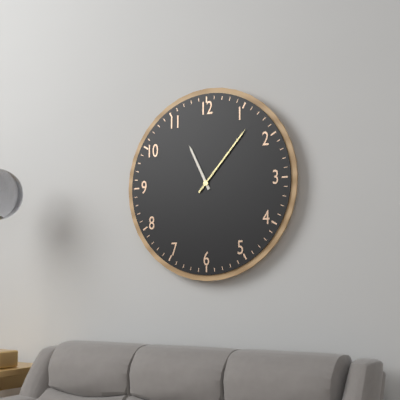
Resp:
h=11 m=7
